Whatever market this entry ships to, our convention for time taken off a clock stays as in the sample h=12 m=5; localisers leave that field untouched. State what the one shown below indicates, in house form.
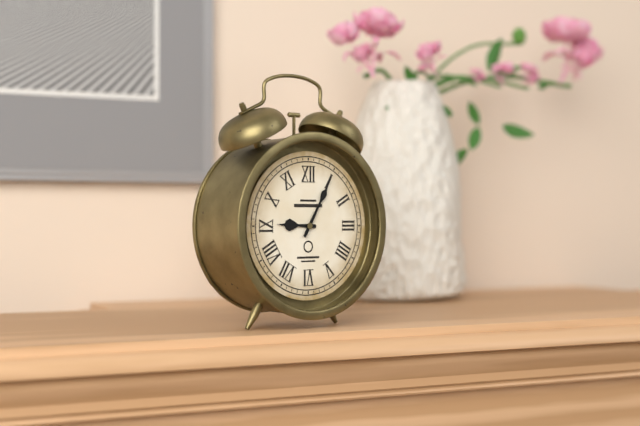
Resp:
h=9 m=5
